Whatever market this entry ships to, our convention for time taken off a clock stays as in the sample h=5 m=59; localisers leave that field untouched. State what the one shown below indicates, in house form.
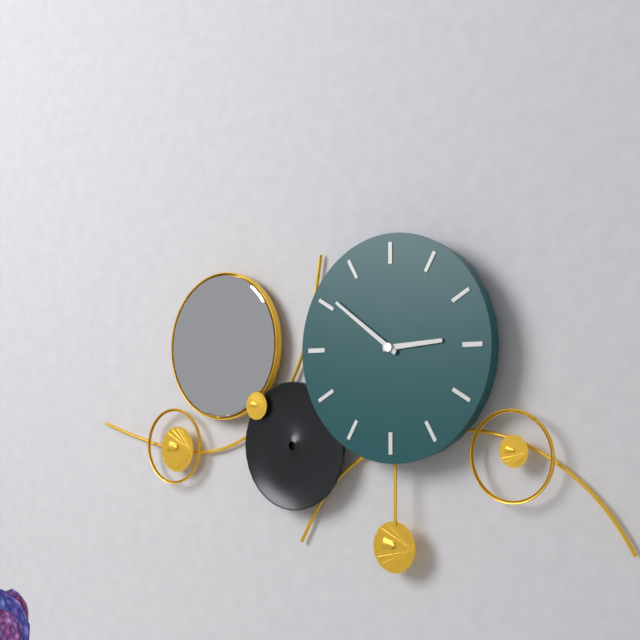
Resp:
h=2 m=51
